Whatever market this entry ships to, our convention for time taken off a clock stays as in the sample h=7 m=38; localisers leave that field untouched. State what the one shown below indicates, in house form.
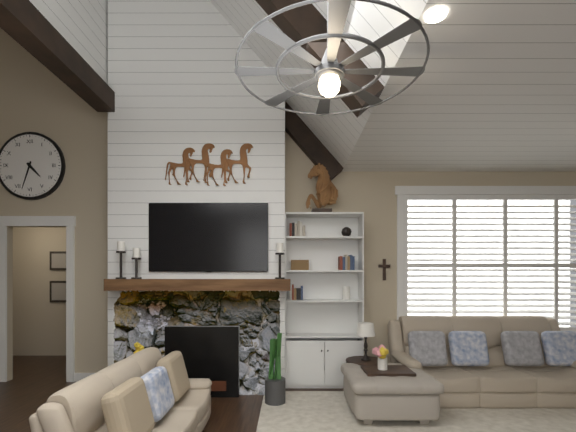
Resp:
h=4 m=33
